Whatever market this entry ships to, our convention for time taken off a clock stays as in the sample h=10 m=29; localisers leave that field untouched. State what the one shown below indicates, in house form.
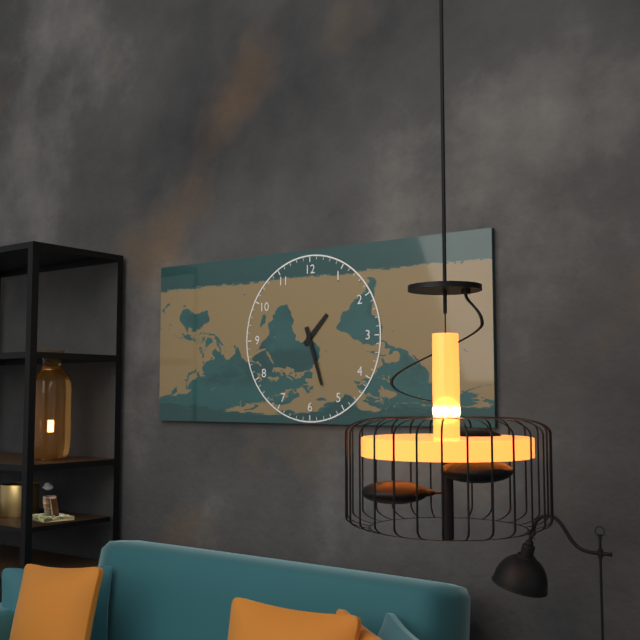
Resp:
h=1 m=27
